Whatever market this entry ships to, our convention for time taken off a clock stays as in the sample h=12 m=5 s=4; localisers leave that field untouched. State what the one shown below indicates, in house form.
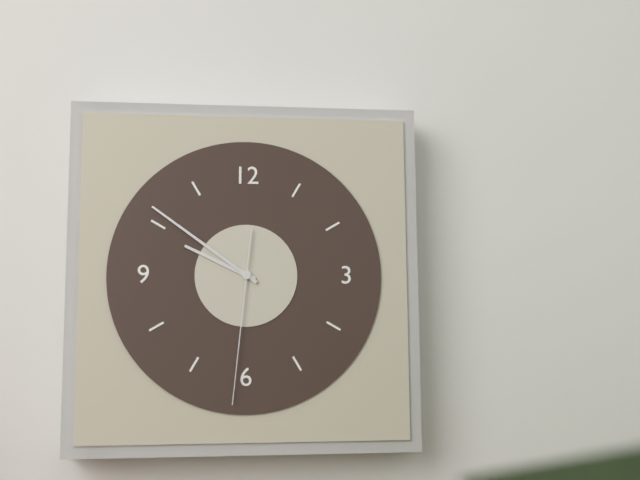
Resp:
h=9 m=51 s=31
